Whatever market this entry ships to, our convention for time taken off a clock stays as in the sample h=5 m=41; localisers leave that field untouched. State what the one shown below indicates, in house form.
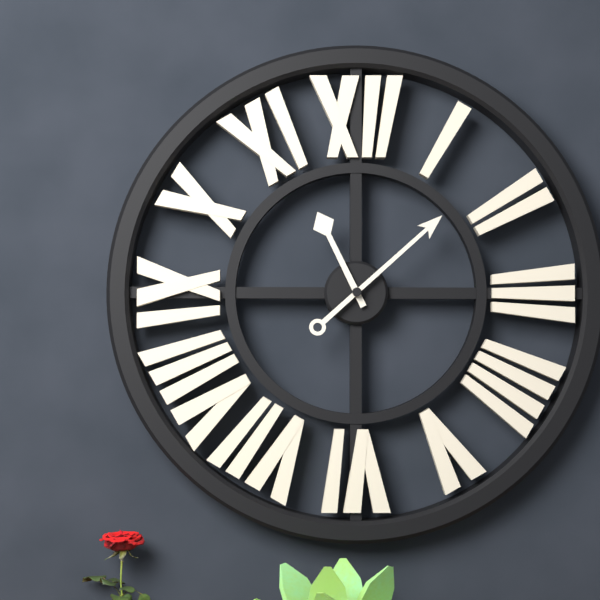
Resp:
h=11 m=8
